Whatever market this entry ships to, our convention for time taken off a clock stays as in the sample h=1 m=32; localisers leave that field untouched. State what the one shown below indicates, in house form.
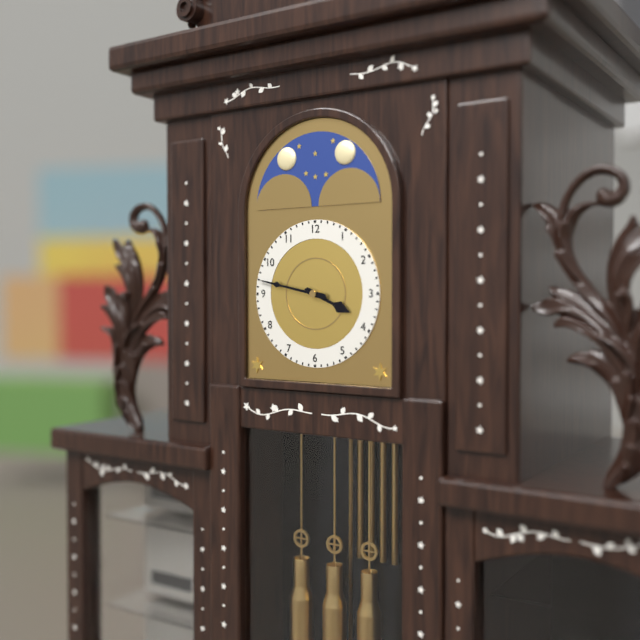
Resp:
h=3 m=47
